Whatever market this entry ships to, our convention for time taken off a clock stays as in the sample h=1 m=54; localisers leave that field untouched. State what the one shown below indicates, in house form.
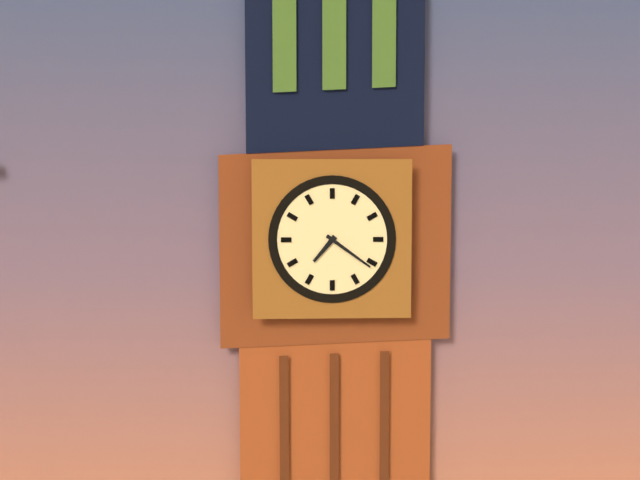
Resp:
h=7 m=21
